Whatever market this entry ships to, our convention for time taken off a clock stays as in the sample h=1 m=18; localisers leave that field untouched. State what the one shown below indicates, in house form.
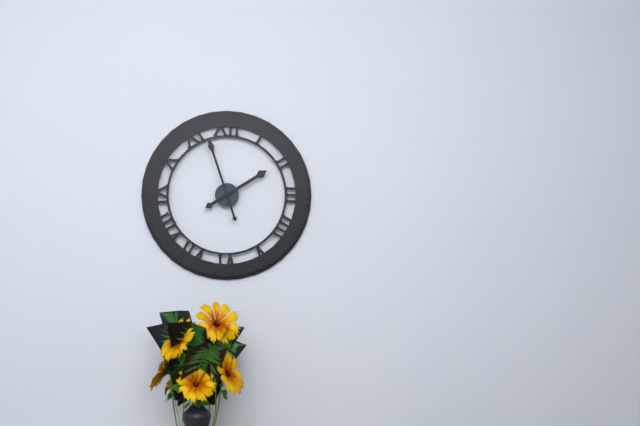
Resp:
h=1 m=57
